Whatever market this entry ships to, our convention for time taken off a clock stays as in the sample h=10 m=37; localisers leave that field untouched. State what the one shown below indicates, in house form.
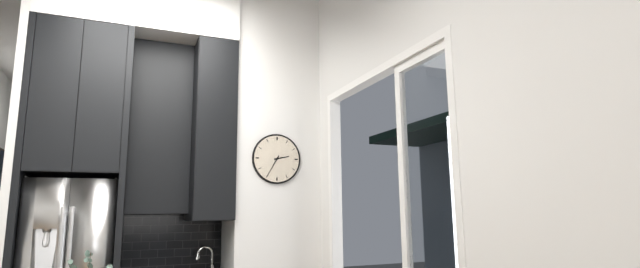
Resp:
h=2 m=35
